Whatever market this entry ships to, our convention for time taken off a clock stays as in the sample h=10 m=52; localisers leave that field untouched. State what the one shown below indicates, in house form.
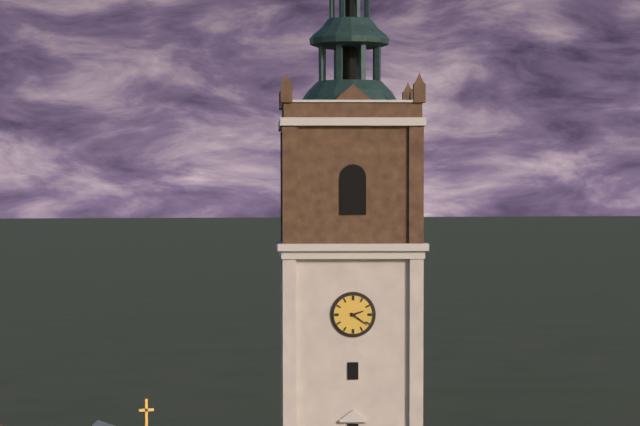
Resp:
h=2 m=21
